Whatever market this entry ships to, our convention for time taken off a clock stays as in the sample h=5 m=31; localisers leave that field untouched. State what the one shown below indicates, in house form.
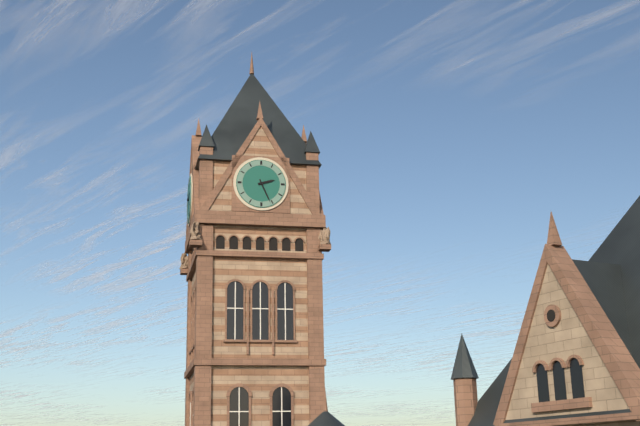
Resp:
h=2 m=26
